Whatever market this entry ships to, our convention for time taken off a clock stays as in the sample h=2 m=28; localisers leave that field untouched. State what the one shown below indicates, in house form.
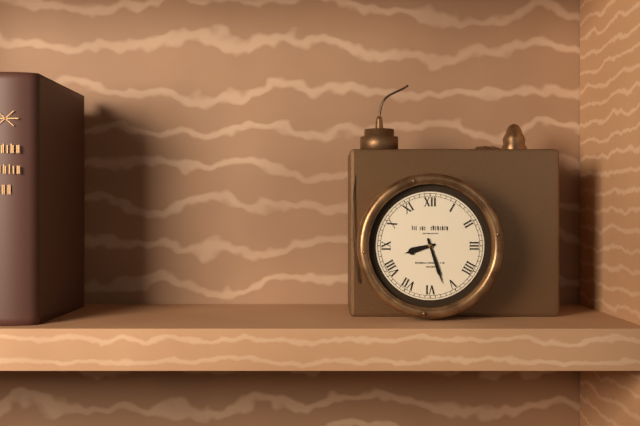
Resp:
h=8 m=27
